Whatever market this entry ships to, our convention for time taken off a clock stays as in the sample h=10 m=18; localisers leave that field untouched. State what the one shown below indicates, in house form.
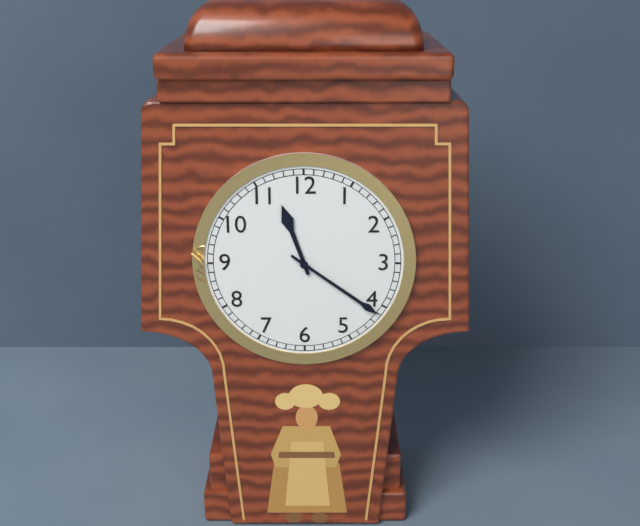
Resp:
h=11 m=21
